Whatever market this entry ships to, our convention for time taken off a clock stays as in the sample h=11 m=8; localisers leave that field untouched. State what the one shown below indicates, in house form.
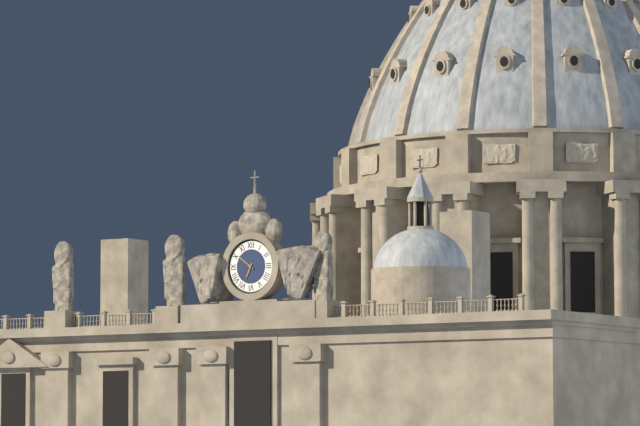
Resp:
h=6 m=51
